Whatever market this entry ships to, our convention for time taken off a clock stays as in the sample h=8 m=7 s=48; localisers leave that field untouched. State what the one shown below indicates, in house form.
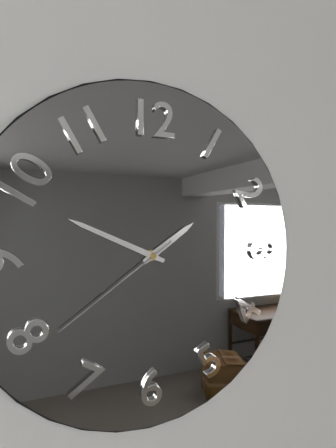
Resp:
h=1 m=49 s=39
